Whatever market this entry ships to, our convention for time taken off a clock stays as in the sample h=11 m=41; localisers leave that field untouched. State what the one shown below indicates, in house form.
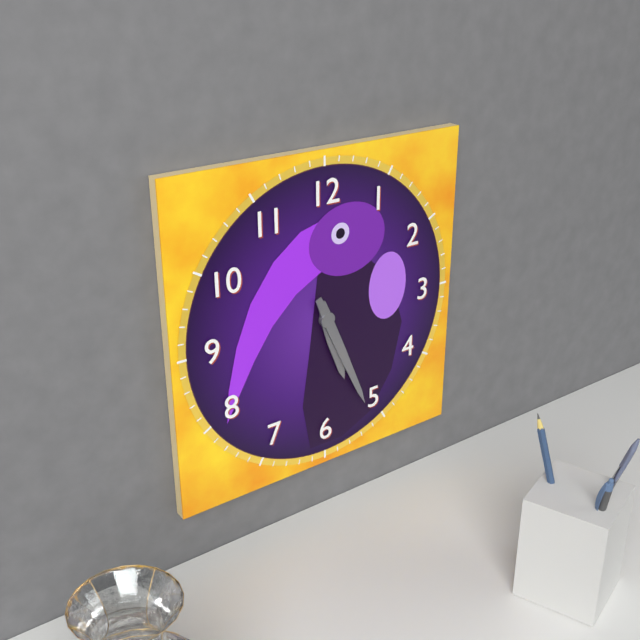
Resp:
h=5 m=26
